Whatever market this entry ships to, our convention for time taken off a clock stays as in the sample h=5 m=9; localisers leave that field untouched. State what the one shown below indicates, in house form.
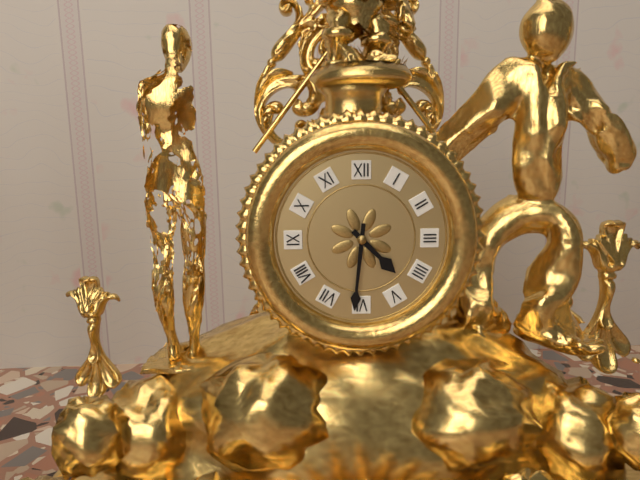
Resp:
h=4 m=31
